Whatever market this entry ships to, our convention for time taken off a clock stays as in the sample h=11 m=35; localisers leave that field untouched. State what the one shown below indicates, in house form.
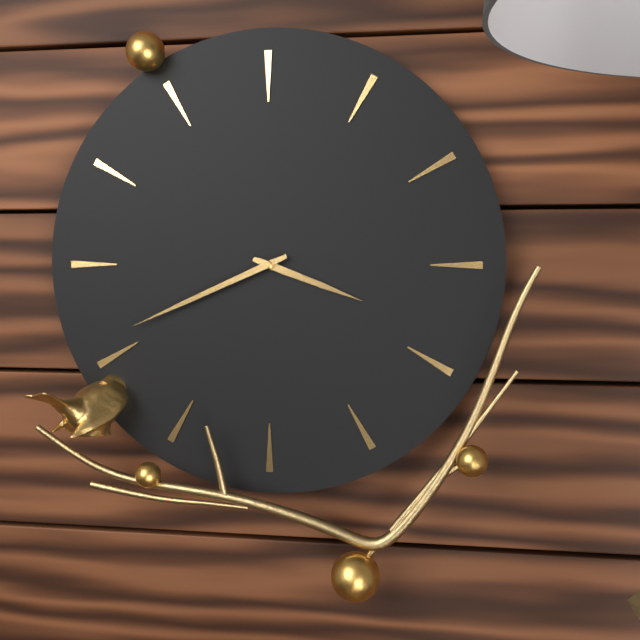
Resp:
h=3 m=41
